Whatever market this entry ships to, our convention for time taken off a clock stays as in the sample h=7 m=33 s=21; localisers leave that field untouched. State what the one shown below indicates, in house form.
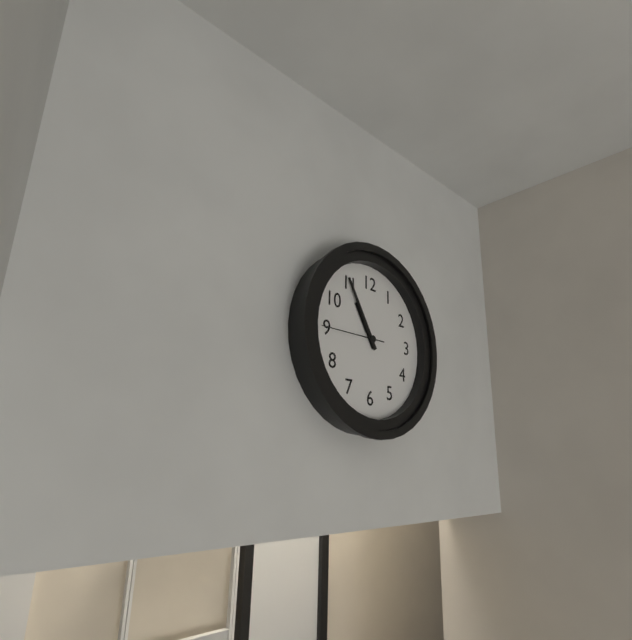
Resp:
h=10 m=55 s=45
